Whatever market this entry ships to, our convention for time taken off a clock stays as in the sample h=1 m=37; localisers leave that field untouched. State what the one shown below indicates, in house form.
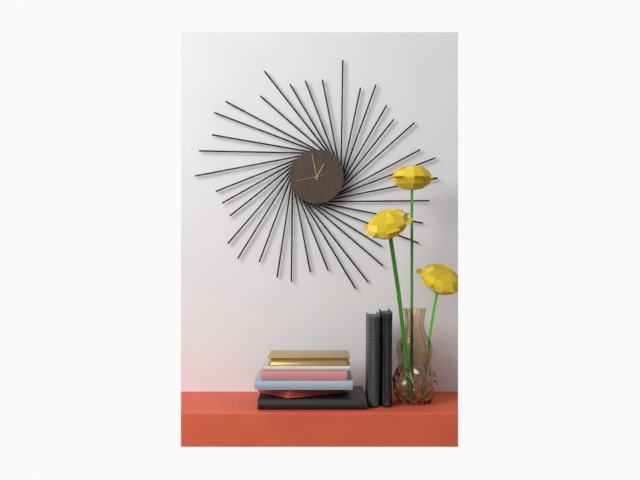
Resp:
h=12 m=58
